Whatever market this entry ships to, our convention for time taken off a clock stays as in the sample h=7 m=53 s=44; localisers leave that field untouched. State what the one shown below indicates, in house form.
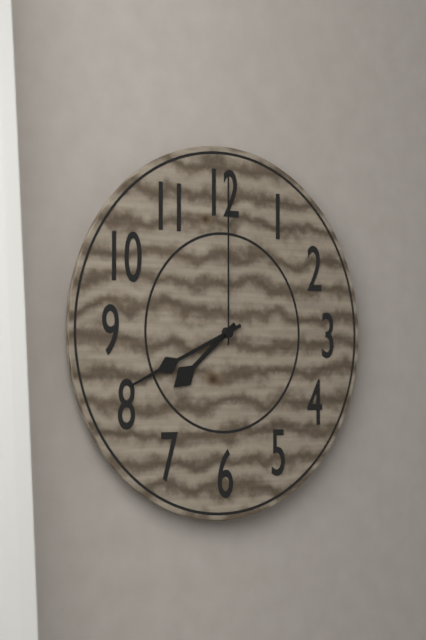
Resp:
h=7 m=41 s=0
